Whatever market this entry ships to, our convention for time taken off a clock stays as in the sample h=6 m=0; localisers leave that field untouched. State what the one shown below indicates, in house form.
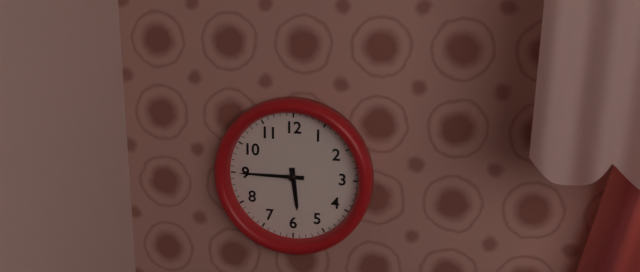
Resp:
h=5 m=45
